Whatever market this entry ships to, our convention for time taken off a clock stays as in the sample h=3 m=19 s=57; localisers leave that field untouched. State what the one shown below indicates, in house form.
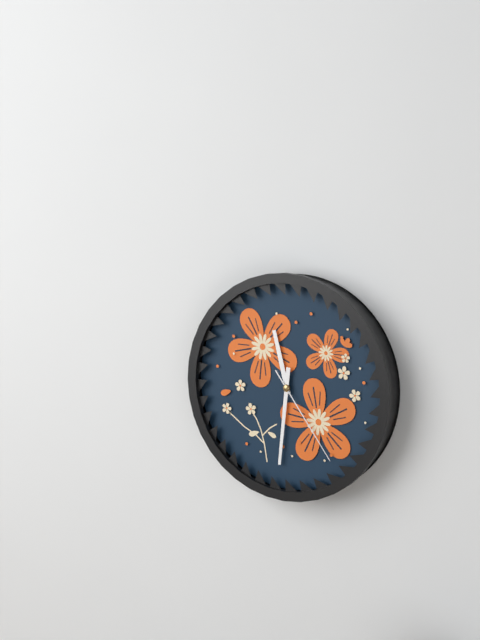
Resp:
h=11 m=31 s=24
